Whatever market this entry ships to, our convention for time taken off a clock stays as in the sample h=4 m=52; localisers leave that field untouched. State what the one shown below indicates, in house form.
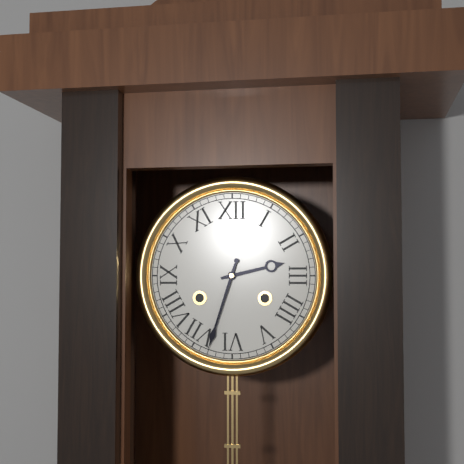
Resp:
h=2 m=33
